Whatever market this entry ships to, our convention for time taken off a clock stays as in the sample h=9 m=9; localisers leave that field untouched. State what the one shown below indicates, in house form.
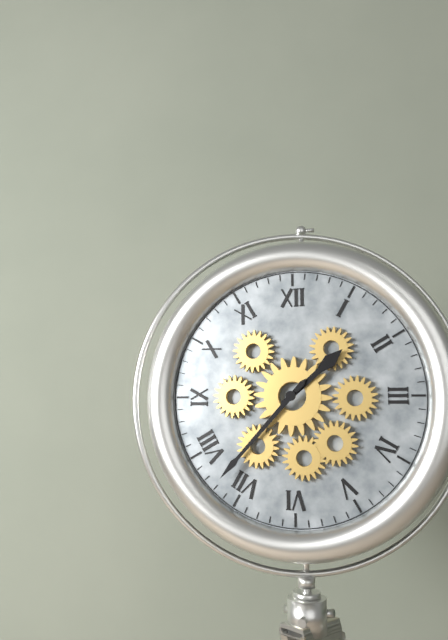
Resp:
h=1 m=37
